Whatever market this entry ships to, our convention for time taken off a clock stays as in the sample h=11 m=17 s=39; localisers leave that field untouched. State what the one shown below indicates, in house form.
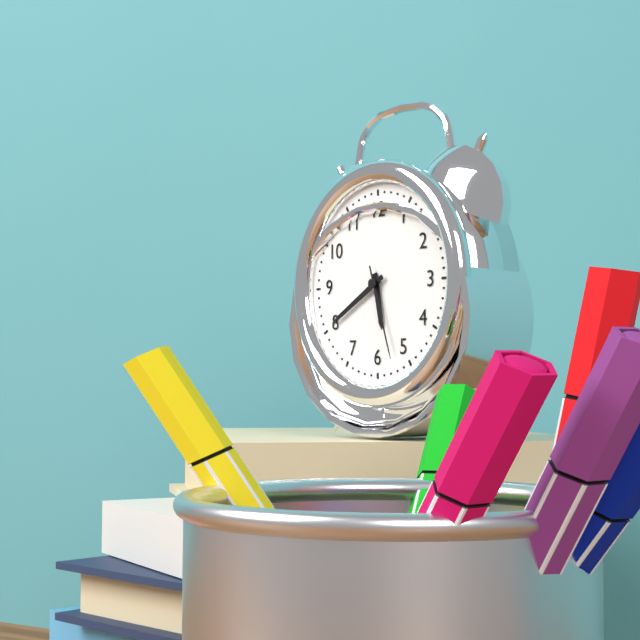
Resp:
h=5 m=40 s=27
